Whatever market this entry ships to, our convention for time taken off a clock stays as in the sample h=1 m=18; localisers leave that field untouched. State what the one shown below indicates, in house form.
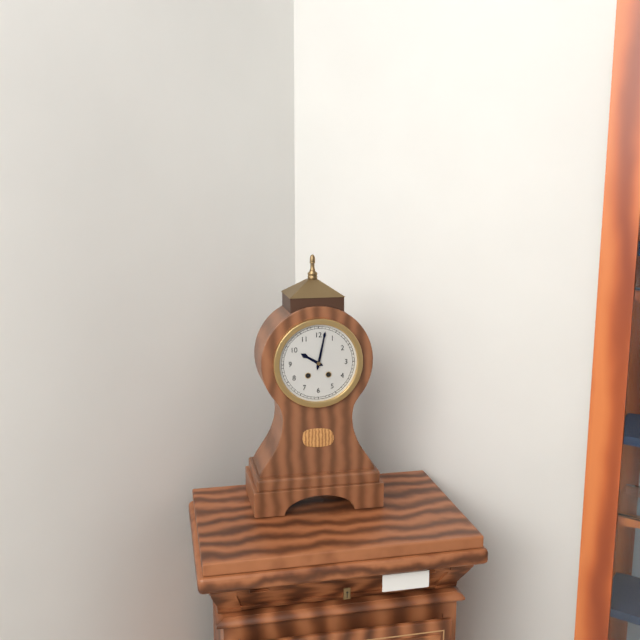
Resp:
h=10 m=2
